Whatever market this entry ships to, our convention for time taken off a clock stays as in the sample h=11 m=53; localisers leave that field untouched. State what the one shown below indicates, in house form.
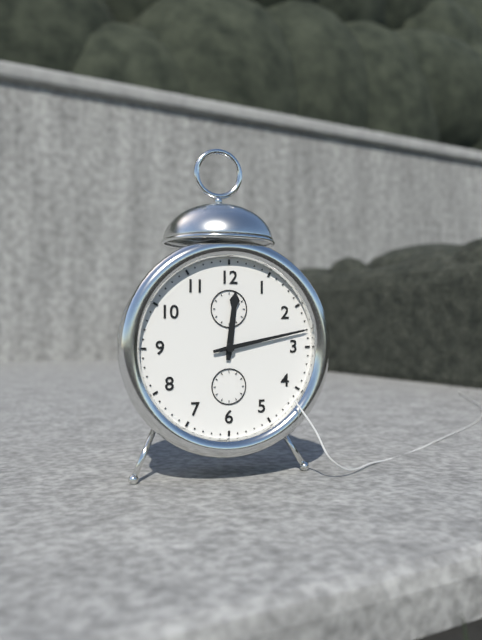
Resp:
h=12 m=13
